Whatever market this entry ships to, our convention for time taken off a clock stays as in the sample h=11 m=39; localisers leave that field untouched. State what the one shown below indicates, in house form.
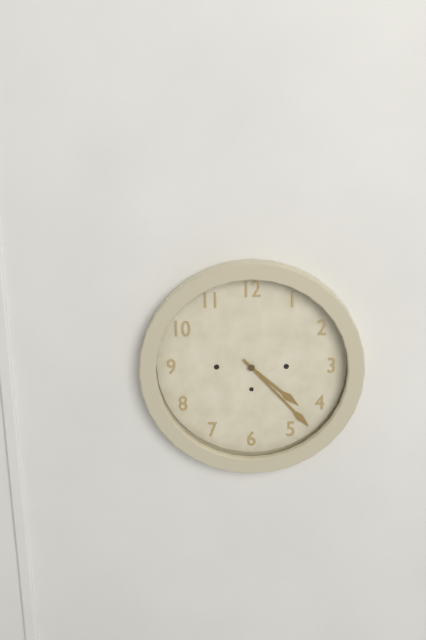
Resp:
h=4 m=23
